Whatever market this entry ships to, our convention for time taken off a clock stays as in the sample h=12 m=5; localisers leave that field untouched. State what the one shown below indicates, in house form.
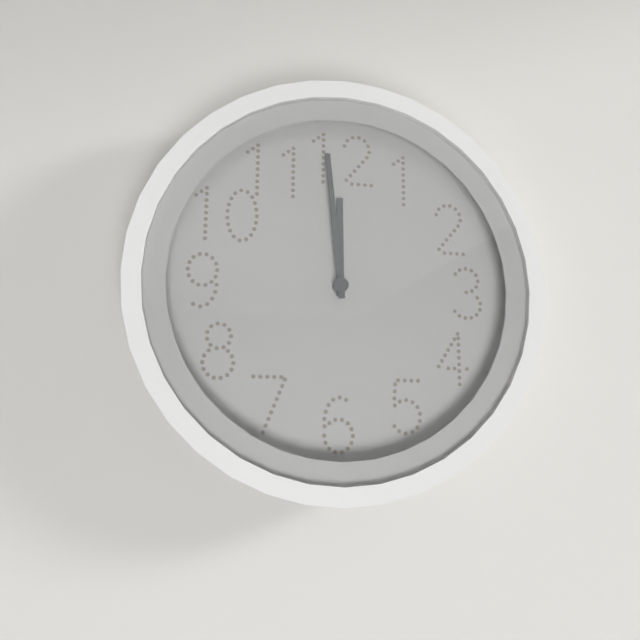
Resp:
h=11 m=59
